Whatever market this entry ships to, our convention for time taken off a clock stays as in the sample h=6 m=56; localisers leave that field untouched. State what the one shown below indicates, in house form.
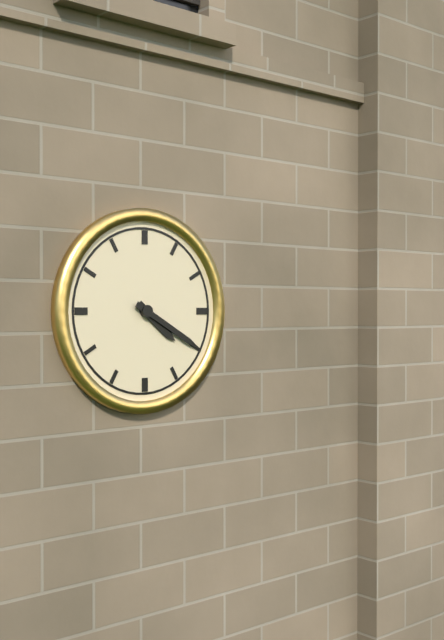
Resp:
h=4 m=20
